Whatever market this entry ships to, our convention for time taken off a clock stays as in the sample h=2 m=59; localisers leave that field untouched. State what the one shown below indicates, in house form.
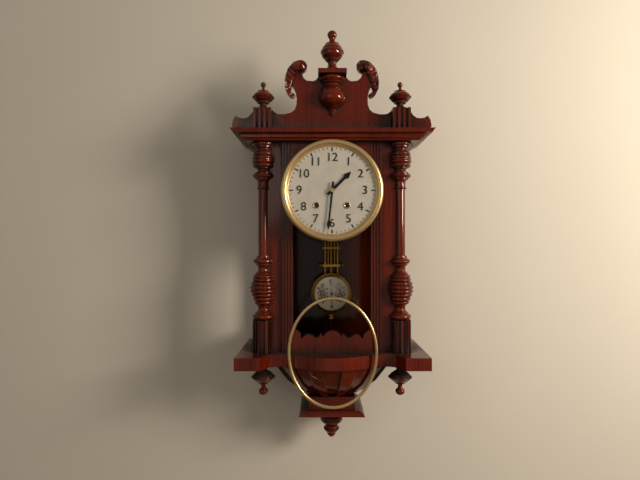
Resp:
h=1 m=31
